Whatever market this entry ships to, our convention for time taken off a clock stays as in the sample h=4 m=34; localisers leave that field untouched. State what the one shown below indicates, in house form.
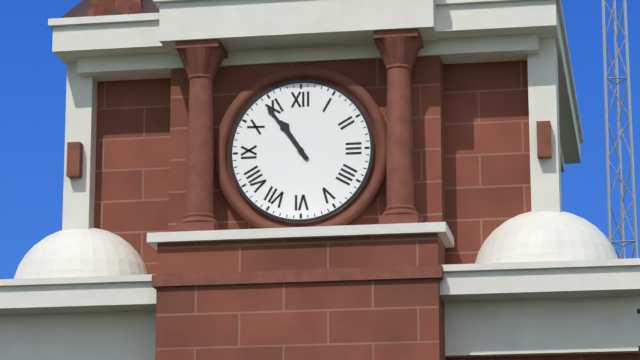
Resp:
h=10 m=54
